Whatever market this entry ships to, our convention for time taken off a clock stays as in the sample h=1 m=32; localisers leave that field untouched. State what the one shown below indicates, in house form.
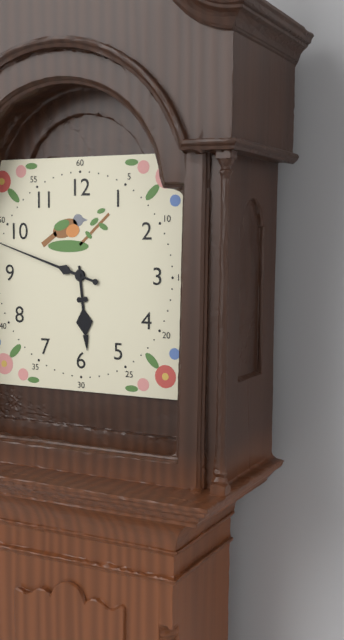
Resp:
h=5 m=48
